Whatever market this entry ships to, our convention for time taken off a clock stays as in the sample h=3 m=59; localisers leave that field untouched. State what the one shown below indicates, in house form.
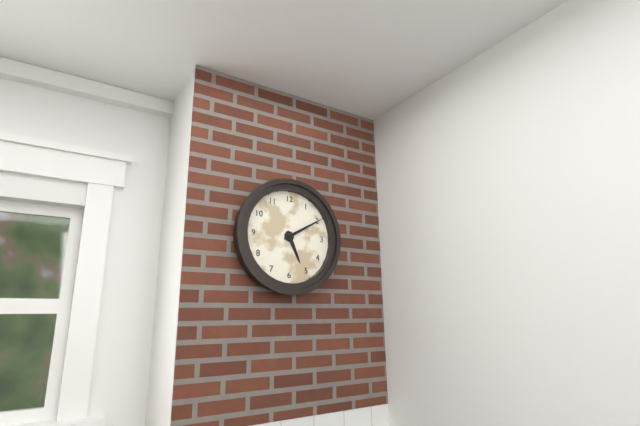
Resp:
h=5 m=10
